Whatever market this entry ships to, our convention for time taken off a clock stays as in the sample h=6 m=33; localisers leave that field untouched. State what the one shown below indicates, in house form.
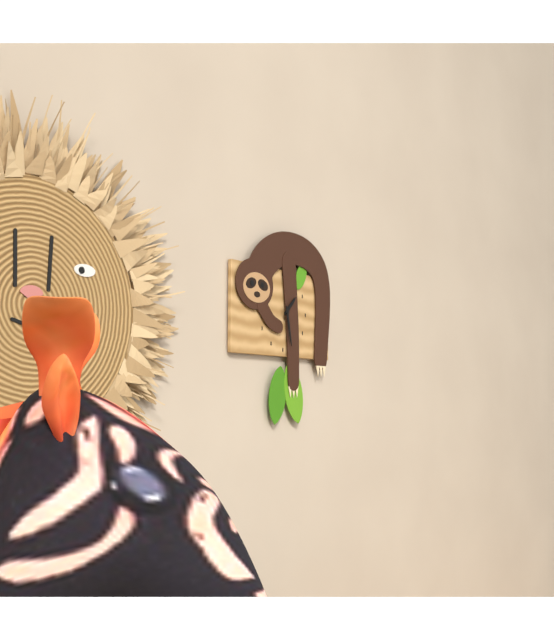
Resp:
h=1 m=28
